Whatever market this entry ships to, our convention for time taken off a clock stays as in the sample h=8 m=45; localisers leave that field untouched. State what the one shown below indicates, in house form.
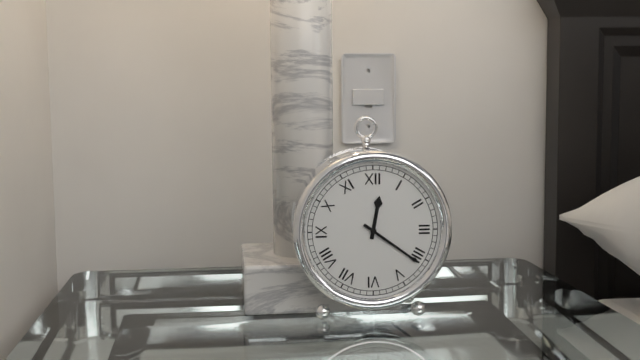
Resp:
h=12 m=21
